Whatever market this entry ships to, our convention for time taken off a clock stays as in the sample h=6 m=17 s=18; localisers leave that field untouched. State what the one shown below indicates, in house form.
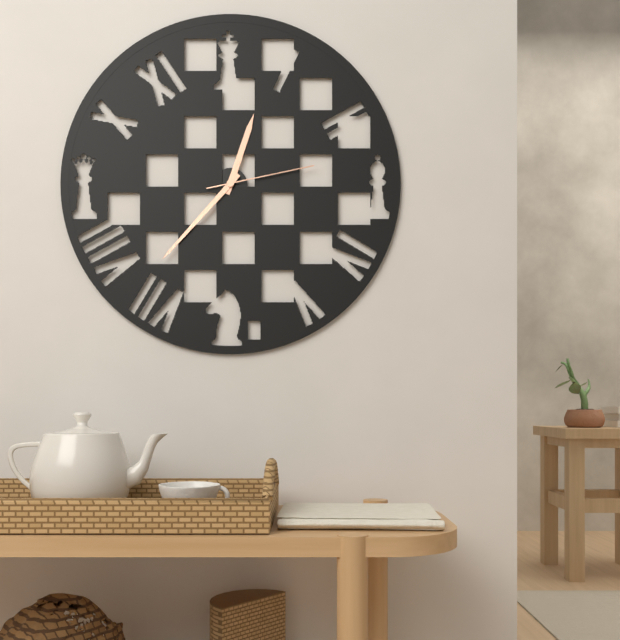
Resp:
h=12 m=37 s=13
